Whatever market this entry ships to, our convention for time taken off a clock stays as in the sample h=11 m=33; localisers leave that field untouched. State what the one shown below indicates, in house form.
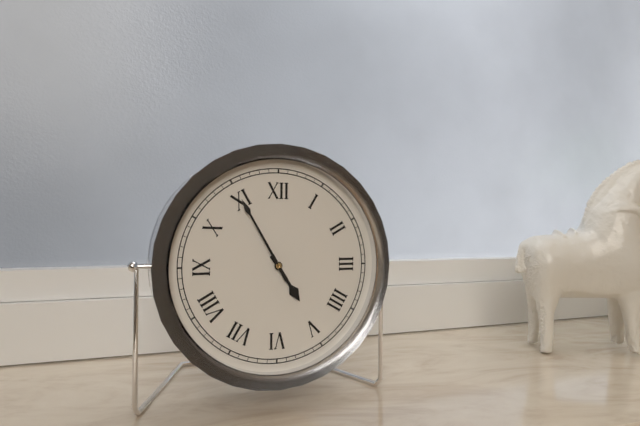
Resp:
h=4 m=55
